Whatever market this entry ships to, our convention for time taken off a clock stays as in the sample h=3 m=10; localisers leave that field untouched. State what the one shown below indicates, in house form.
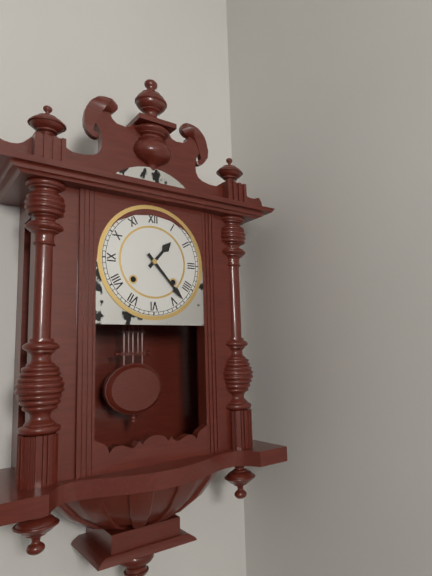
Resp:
h=1 m=23
